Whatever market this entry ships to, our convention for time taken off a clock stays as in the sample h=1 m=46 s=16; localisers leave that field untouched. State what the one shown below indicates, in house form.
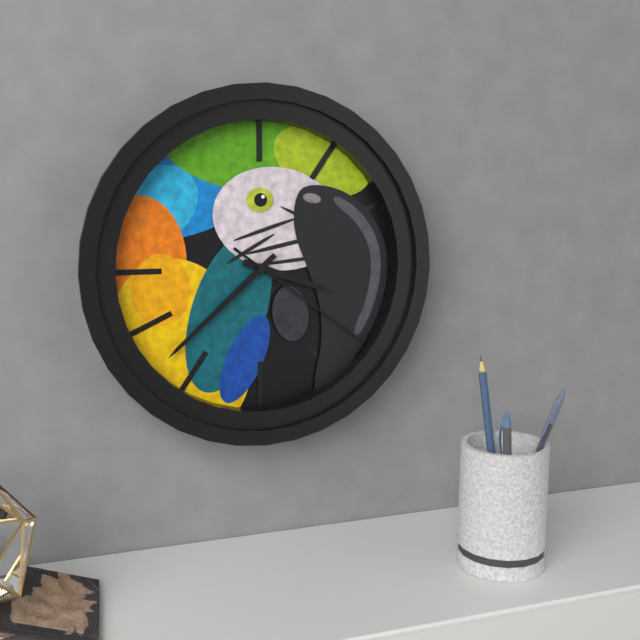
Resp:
h=3 m=38 s=21
